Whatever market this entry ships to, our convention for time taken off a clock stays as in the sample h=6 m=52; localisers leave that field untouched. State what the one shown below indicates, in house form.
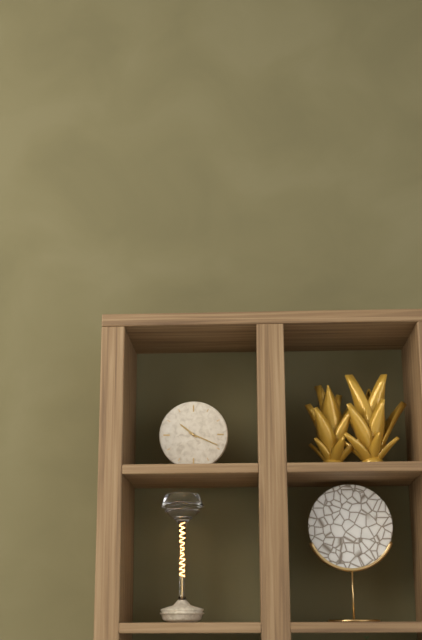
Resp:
h=10 m=19
